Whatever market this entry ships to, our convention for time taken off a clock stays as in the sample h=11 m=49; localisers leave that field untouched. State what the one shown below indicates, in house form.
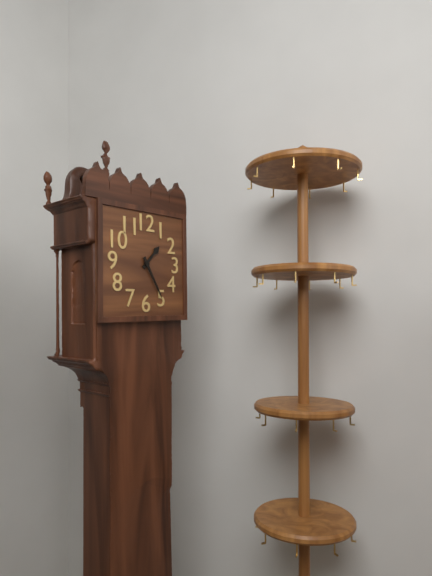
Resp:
h=1 m=25
